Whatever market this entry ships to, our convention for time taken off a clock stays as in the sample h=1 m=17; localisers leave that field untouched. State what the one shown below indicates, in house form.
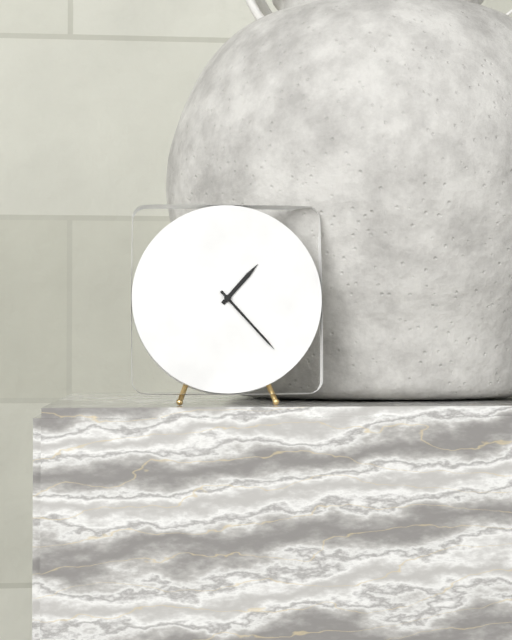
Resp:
h=1 m=23
